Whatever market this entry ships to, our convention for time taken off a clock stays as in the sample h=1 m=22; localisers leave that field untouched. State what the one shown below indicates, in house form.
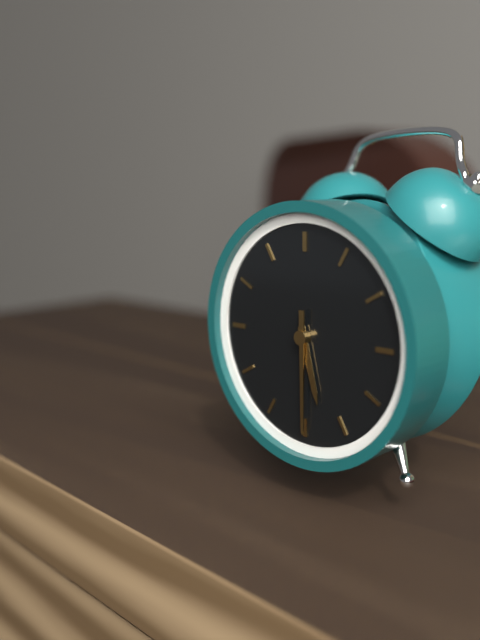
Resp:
h=5 m=30
